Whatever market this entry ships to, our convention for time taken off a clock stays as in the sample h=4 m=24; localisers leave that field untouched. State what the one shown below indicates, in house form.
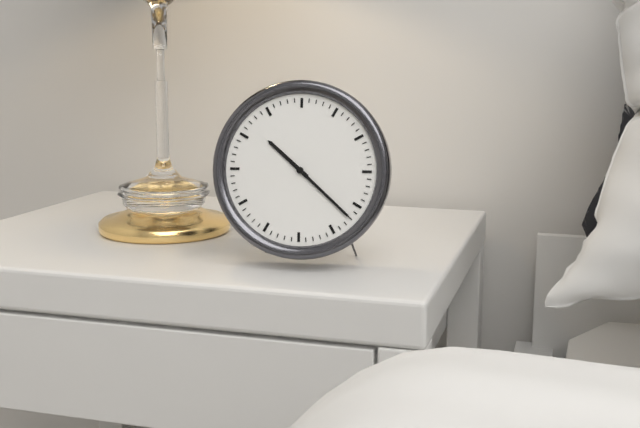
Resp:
h=10 m=22
